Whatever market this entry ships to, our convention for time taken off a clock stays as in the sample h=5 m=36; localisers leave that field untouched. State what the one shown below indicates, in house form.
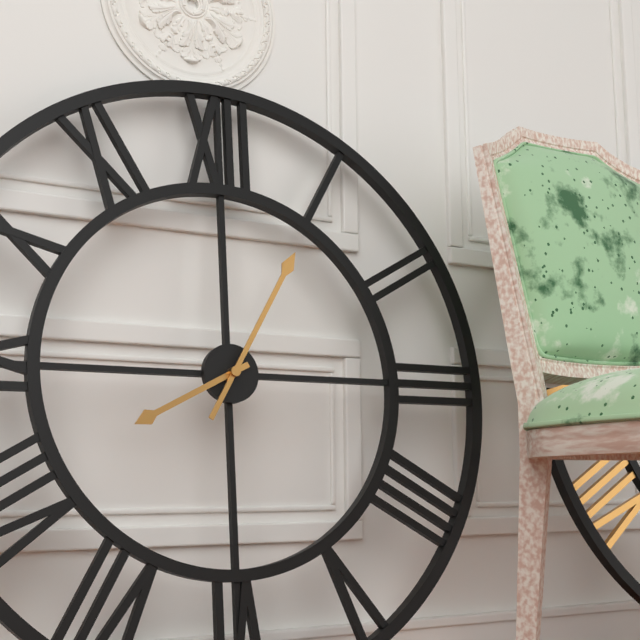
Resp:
h=8 m=5
